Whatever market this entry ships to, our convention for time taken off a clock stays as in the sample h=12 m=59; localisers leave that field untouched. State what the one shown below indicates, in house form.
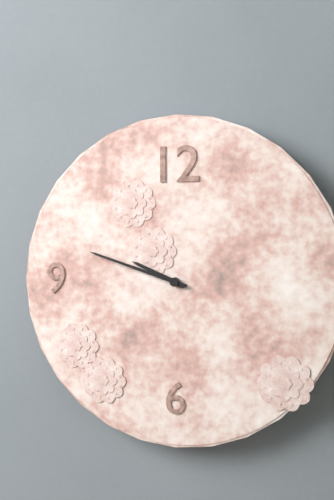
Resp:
h=9 m=48
